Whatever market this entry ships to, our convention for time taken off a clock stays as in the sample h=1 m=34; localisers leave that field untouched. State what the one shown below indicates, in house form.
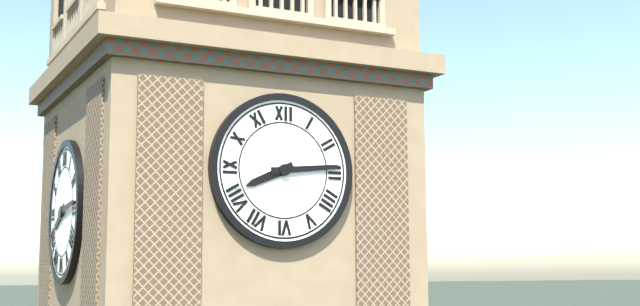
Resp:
h=8 m=14
